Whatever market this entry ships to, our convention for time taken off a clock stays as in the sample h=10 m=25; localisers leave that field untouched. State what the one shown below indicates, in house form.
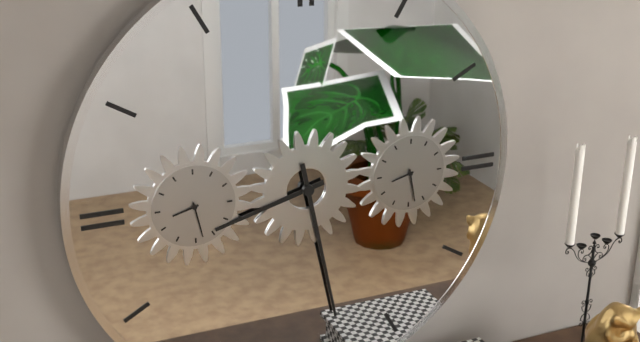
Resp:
h=8 m=28
